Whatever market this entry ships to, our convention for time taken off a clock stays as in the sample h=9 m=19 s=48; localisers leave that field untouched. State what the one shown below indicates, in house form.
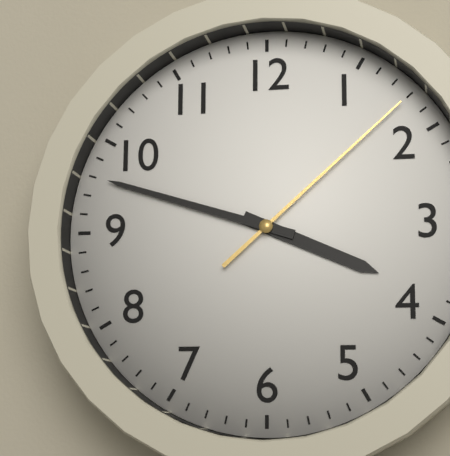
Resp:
h=3 m=48 s=8
